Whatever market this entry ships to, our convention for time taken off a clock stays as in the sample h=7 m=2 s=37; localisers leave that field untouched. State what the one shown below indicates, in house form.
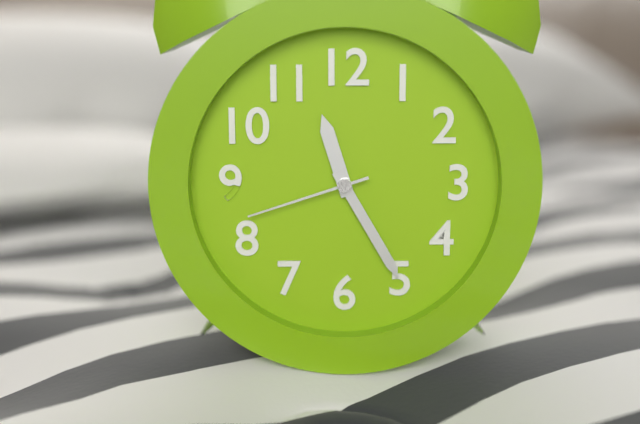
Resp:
h=11 m=25 s=42
